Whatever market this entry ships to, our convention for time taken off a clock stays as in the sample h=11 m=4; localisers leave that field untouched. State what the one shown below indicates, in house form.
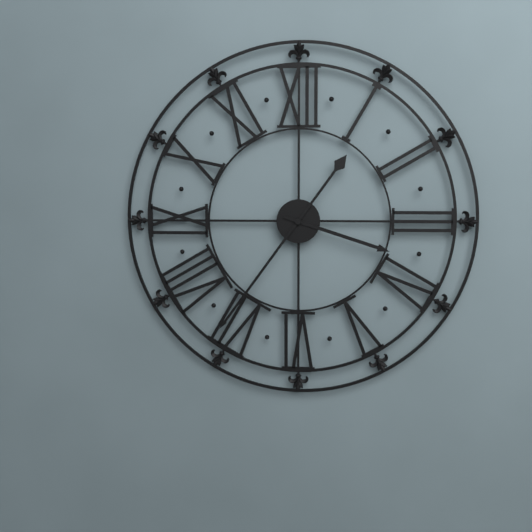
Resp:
h=3 m=36
